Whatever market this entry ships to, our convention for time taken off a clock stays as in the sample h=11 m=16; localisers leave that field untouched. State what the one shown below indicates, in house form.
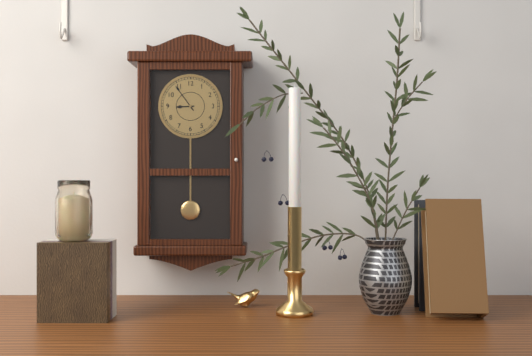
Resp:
h=8 m=54
